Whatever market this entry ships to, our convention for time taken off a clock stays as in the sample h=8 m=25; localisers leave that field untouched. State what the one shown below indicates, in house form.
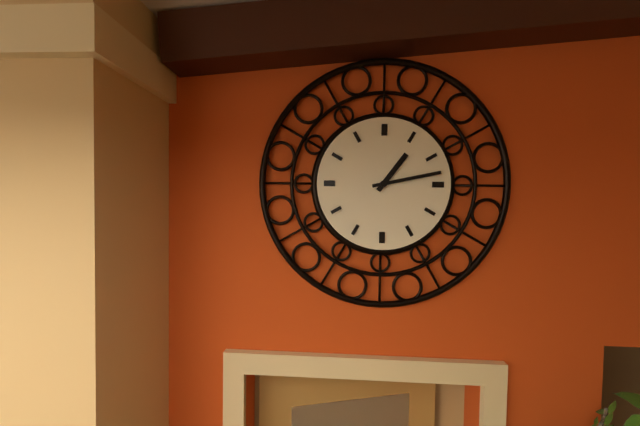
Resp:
h=1 m=13
